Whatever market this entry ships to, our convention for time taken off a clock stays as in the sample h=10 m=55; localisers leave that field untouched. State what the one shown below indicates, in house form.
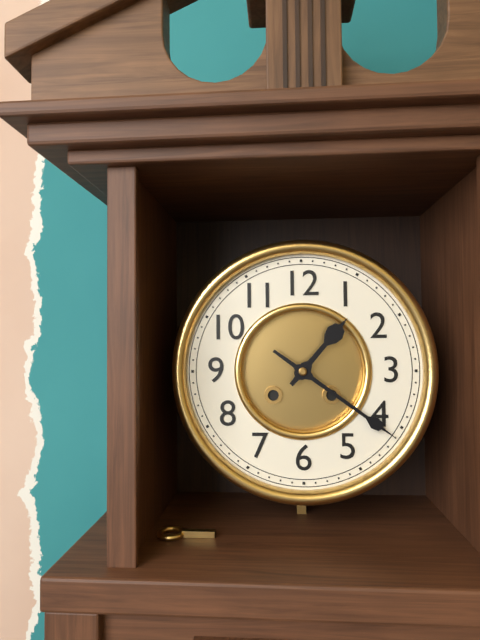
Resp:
h=1 m=21
